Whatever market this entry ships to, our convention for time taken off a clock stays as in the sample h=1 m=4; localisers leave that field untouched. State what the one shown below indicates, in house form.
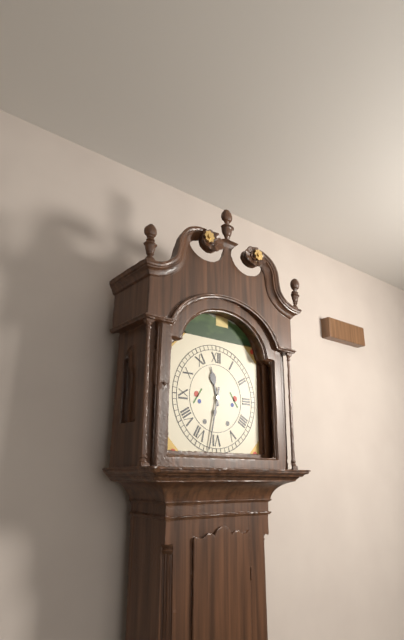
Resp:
h=11 m=32
